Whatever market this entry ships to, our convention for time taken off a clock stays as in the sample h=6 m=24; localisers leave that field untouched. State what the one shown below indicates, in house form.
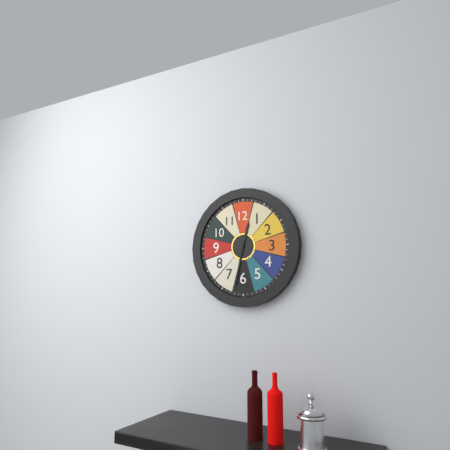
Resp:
h=12 m=32
